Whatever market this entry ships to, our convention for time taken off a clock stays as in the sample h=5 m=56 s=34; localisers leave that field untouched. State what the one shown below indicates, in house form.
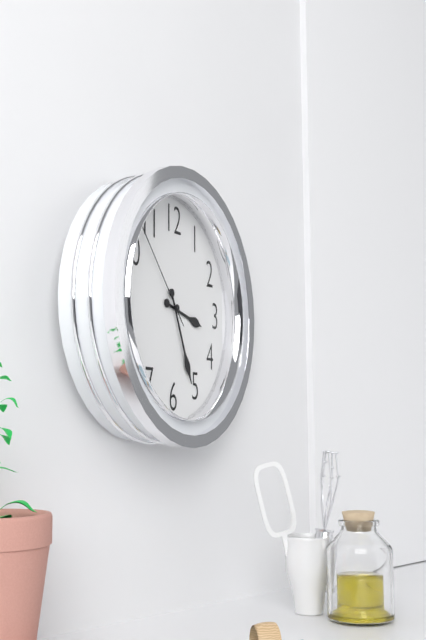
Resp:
h=3 m=26 s=53
